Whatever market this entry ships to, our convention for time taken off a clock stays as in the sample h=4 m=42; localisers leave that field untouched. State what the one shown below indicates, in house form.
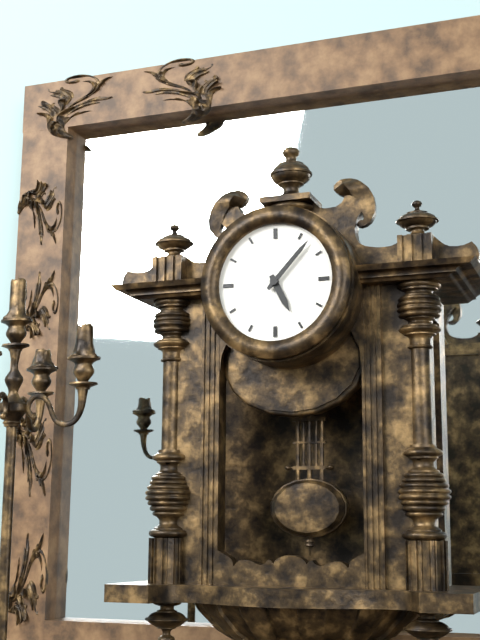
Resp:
h=5 m=7
